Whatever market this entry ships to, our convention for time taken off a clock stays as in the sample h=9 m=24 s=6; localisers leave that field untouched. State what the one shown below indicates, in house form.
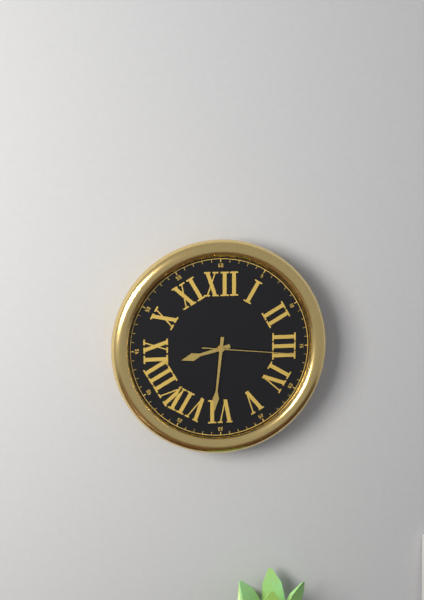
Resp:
h=8 m=31 s=16
